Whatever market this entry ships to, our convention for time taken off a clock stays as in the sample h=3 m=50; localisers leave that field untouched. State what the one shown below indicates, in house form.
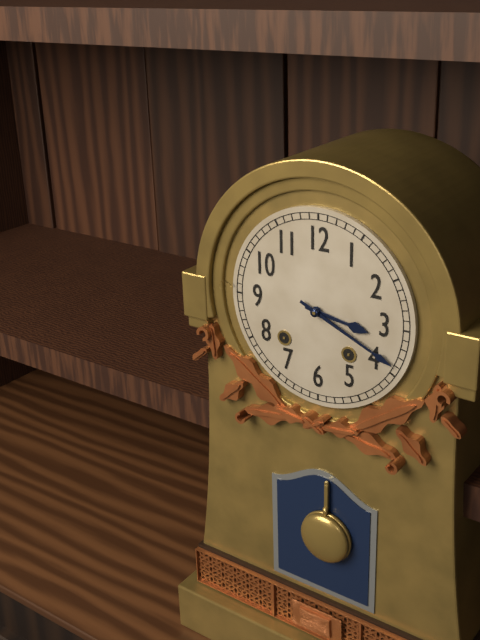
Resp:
h=3 m=19
